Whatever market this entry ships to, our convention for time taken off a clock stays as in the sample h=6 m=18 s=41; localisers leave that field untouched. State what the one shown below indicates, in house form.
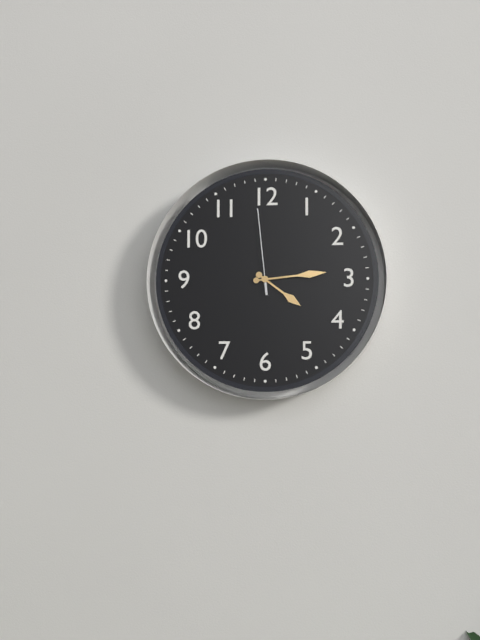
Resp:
h=4 m=14 s=59
